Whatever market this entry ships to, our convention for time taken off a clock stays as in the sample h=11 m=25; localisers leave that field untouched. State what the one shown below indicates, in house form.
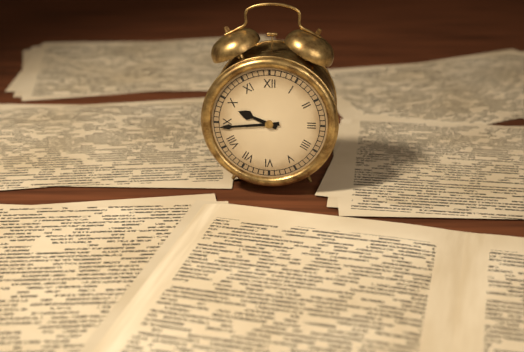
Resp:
h=9 m=44
